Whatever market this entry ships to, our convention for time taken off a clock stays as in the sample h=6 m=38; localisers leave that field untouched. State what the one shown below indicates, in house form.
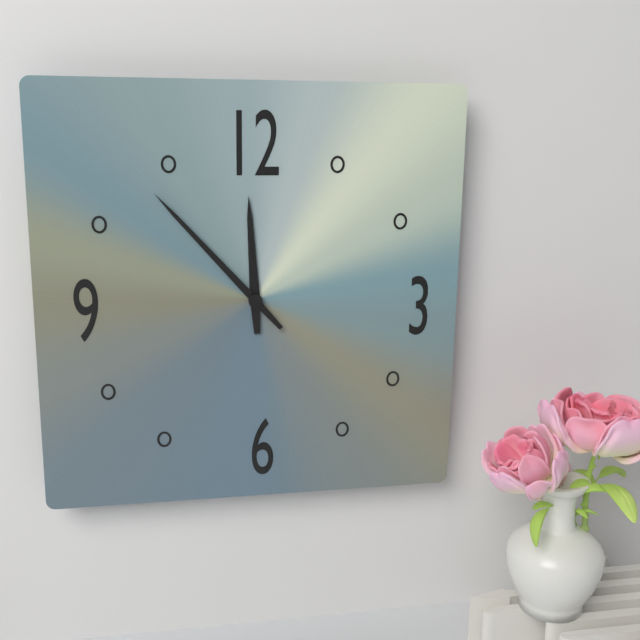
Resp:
h=11 m=53
